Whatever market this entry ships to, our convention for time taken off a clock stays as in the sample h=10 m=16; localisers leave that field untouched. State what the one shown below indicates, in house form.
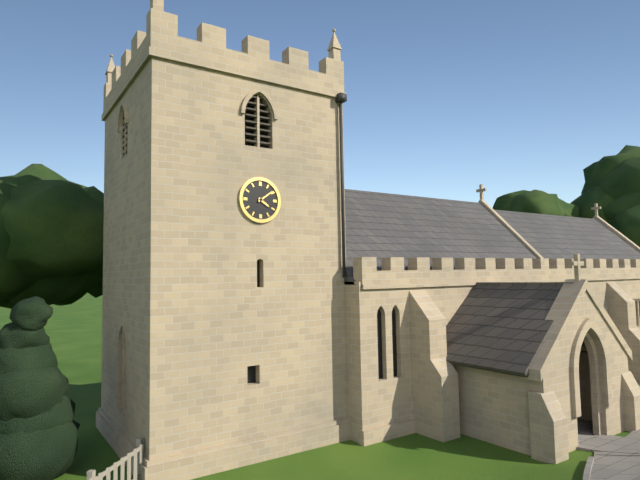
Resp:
h=4 m=9
